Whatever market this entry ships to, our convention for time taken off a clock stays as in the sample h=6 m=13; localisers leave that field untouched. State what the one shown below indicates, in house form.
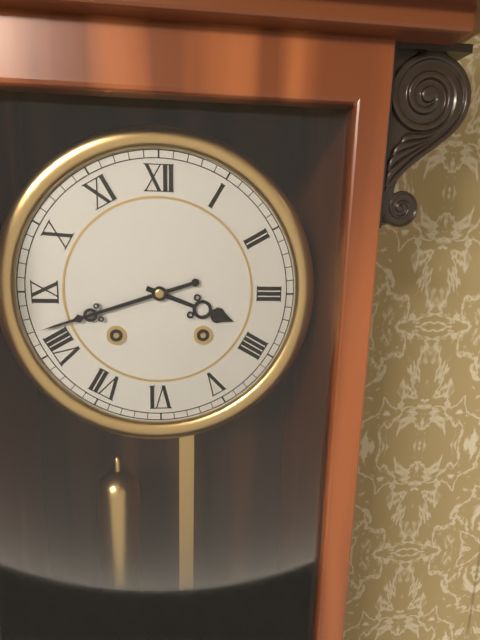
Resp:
h=3 m=42
